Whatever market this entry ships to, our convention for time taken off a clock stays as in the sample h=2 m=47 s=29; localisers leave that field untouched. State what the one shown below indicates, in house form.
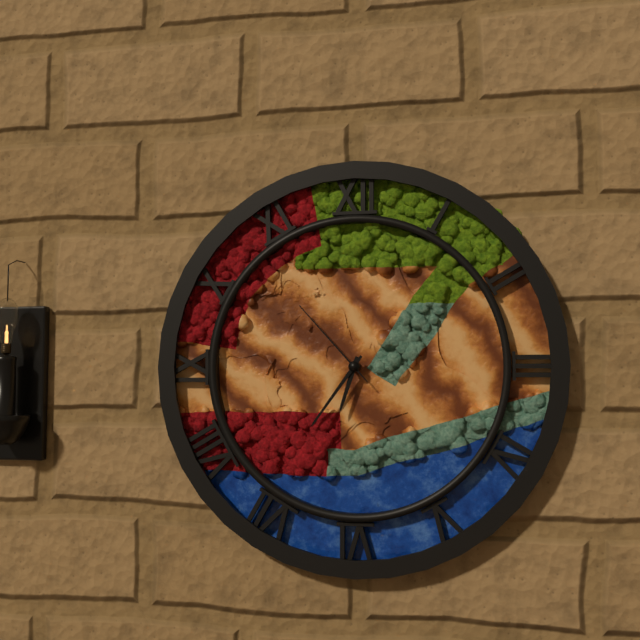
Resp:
h=6 m=36 s=53
